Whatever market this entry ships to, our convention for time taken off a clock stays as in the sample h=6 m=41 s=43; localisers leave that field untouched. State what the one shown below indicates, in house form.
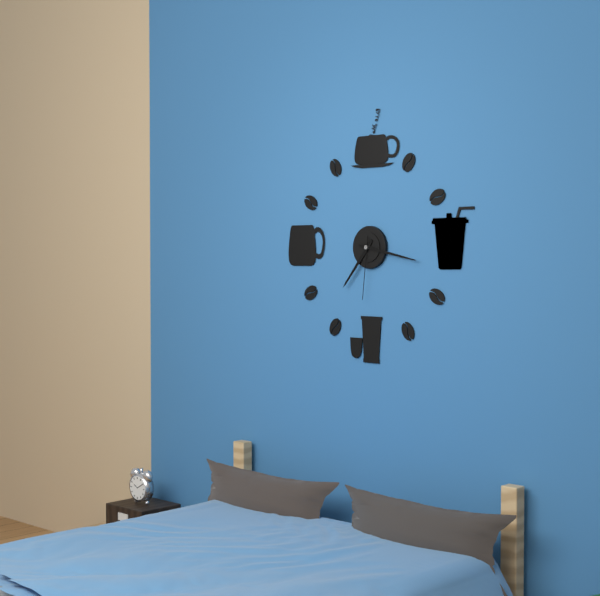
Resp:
h=7 m=17 s=31
